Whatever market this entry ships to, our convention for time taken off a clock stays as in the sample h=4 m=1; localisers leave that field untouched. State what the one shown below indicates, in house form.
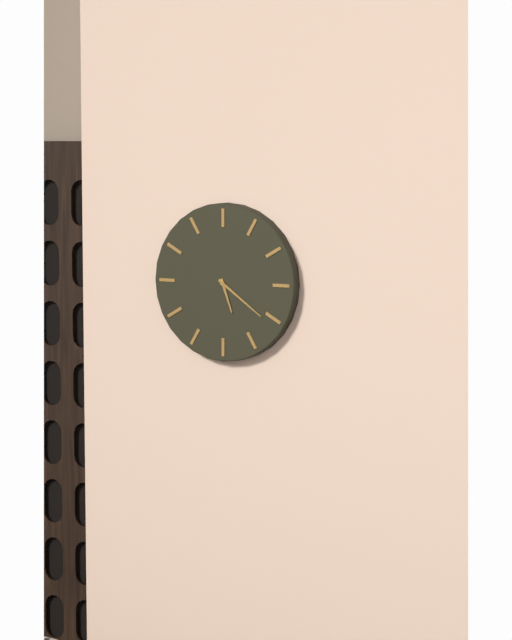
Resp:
h=5 m=21
